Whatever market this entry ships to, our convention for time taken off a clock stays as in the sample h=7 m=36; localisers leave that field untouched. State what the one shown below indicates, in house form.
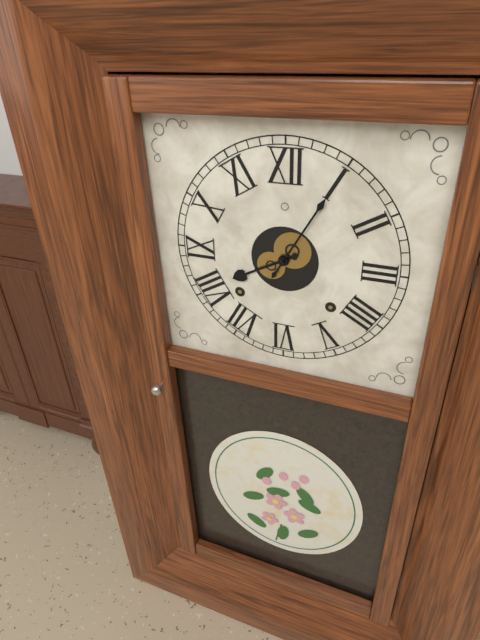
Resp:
h=8 m=5
